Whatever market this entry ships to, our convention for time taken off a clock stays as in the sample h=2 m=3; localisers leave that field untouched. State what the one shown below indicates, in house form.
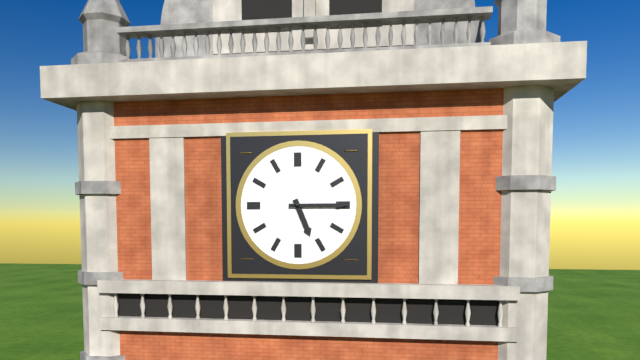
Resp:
h=5 m=15
